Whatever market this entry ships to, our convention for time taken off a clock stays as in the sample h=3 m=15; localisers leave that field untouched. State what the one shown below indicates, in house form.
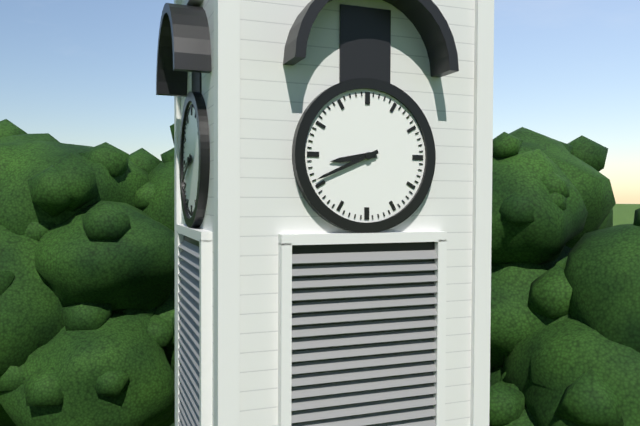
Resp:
h=8 m=41
